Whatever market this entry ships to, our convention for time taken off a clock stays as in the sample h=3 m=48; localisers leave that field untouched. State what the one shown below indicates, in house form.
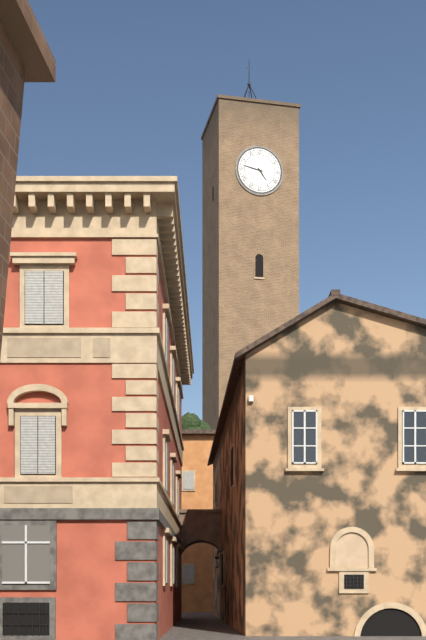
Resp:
h=4 m=47
